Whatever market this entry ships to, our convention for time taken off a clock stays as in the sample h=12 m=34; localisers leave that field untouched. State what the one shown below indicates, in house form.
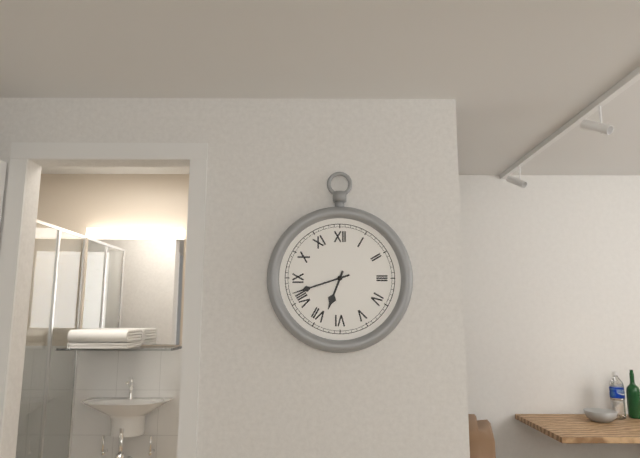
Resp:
h=6 m=42
